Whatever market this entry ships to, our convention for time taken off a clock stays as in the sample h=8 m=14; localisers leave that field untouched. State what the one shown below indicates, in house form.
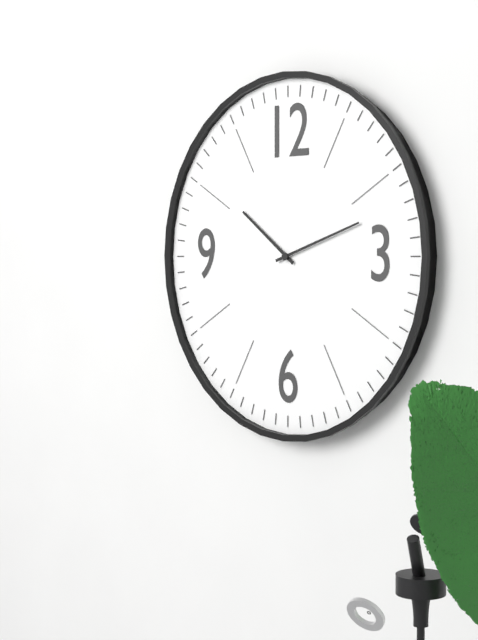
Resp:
h=10 m=12
